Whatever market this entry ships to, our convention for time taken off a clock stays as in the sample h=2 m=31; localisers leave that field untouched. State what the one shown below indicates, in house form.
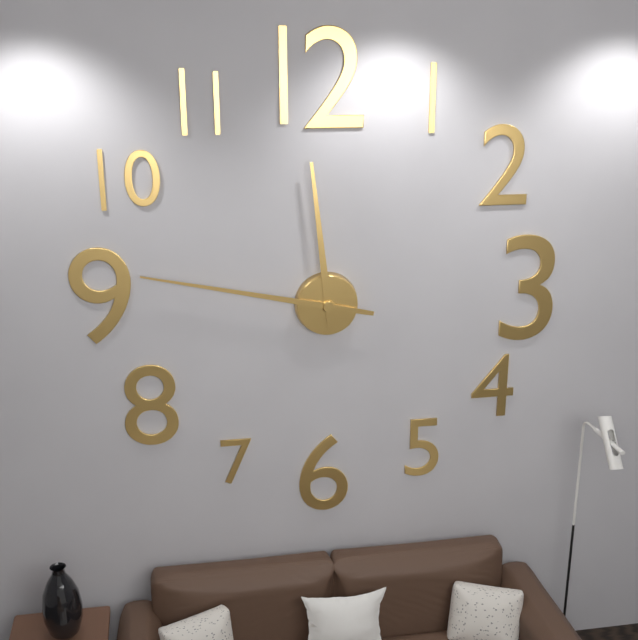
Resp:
h=11 m=47
